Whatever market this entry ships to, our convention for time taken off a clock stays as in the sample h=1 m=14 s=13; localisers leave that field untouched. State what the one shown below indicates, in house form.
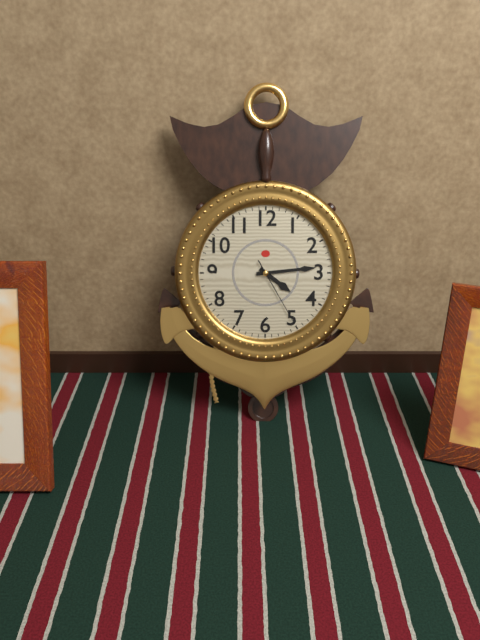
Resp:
h=4 m=14 s=25
